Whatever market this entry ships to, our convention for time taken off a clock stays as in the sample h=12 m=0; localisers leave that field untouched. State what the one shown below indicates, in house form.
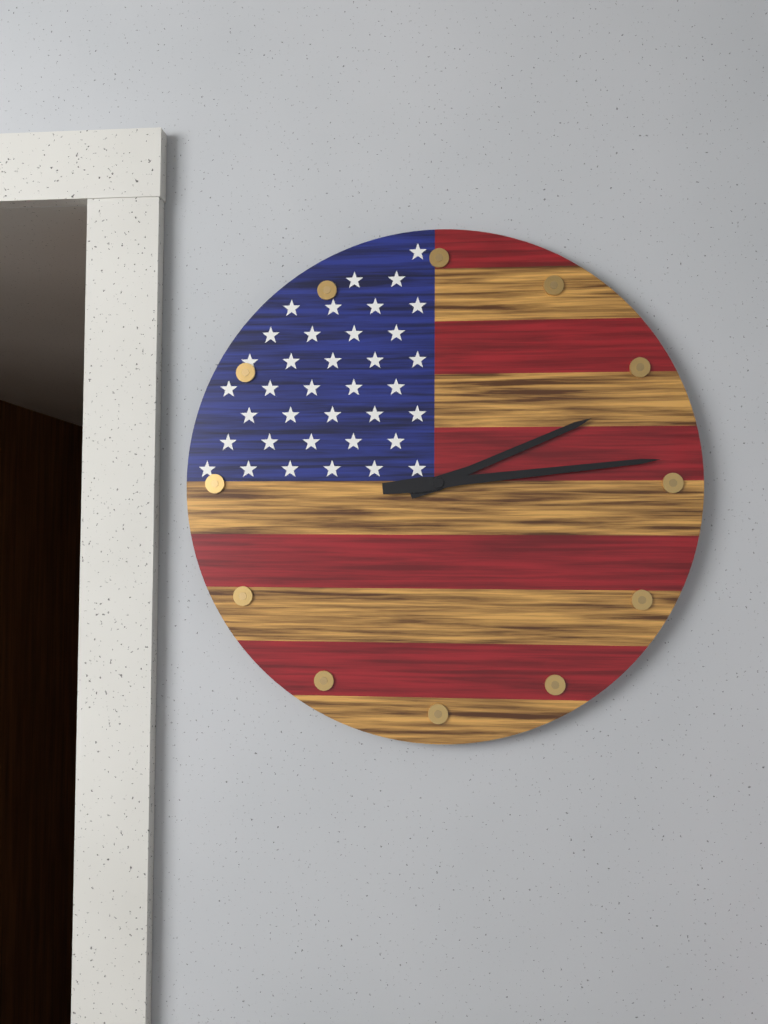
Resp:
h=2 m=14
